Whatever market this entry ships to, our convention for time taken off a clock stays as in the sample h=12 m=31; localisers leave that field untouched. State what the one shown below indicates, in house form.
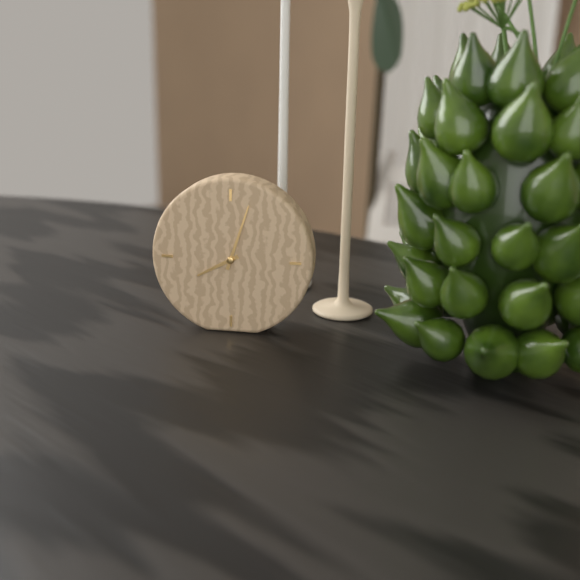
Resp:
h=8 m=3
